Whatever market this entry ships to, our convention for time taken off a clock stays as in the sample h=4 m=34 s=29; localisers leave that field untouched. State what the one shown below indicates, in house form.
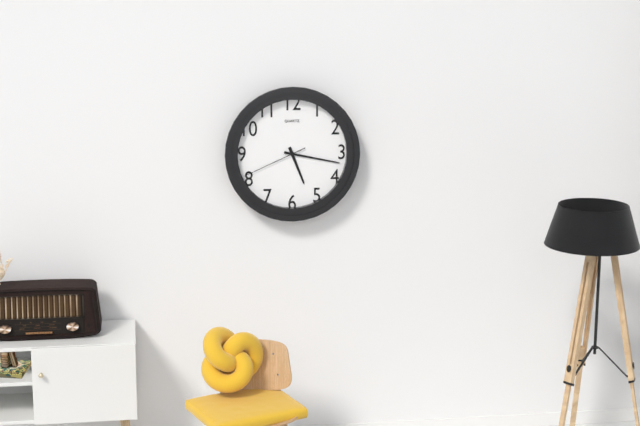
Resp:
h=5 m=17 s=41
